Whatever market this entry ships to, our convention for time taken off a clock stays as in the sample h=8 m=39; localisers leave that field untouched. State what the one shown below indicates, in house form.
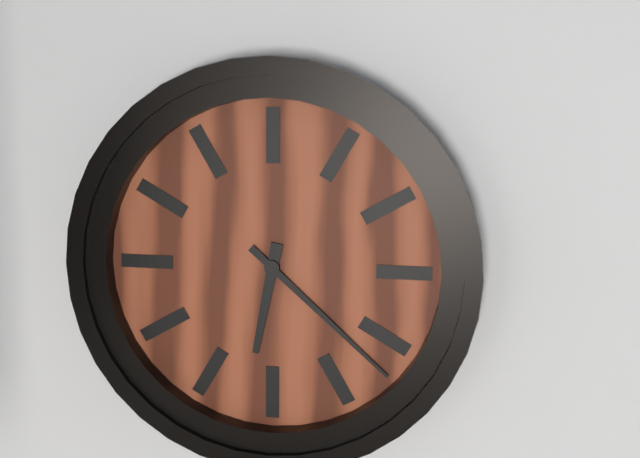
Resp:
h=6 m=22
